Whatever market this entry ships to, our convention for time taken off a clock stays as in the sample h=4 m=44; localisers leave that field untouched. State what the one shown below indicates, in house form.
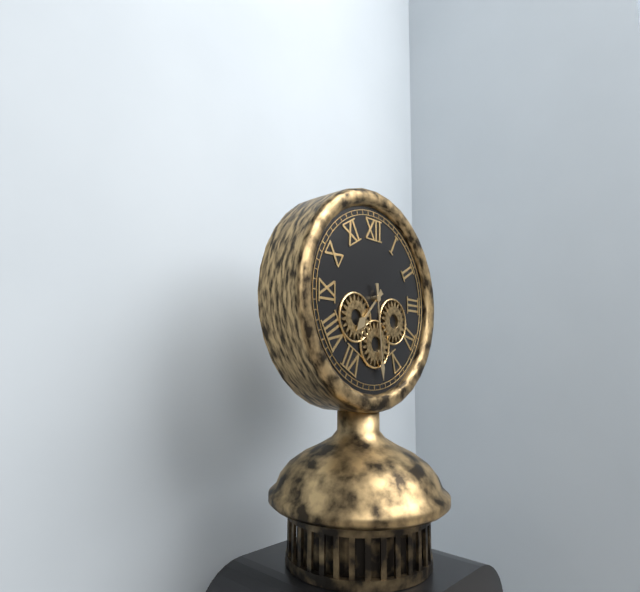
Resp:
h=7 m=29
